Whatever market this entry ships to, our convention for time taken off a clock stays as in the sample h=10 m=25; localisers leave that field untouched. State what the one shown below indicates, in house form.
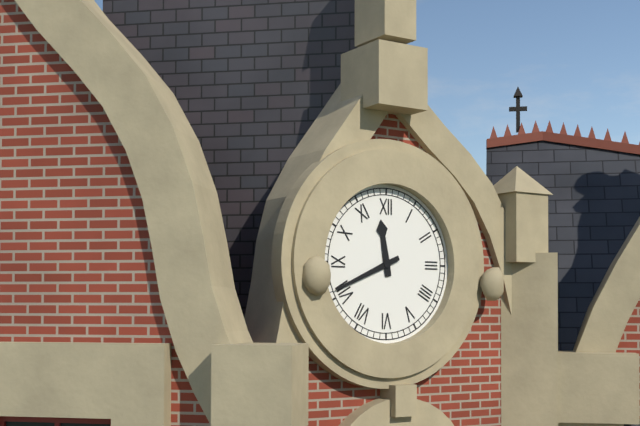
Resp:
h=11 m=41
